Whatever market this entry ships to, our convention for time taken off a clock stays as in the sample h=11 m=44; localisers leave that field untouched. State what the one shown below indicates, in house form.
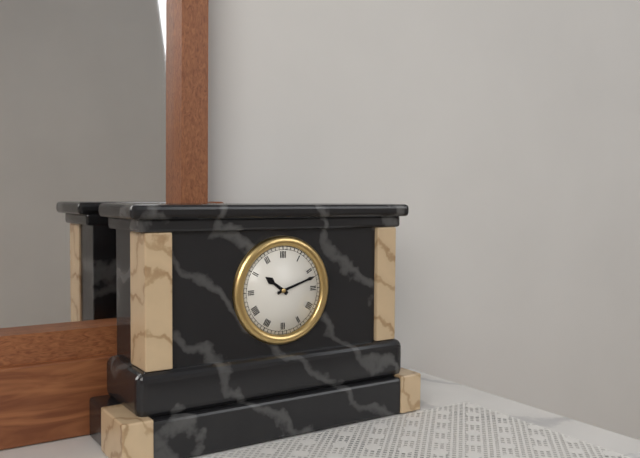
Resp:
h=10 m=12
